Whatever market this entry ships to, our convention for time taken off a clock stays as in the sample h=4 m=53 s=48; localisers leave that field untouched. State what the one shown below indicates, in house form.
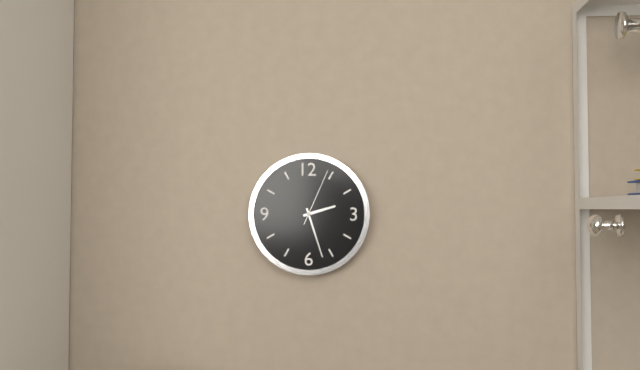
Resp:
h=2 m=27 s=4
